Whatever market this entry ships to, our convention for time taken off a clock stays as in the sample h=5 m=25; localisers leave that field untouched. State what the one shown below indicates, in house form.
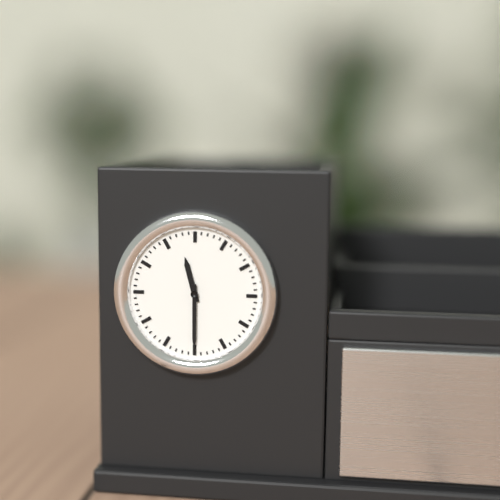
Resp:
h=11 m=30
